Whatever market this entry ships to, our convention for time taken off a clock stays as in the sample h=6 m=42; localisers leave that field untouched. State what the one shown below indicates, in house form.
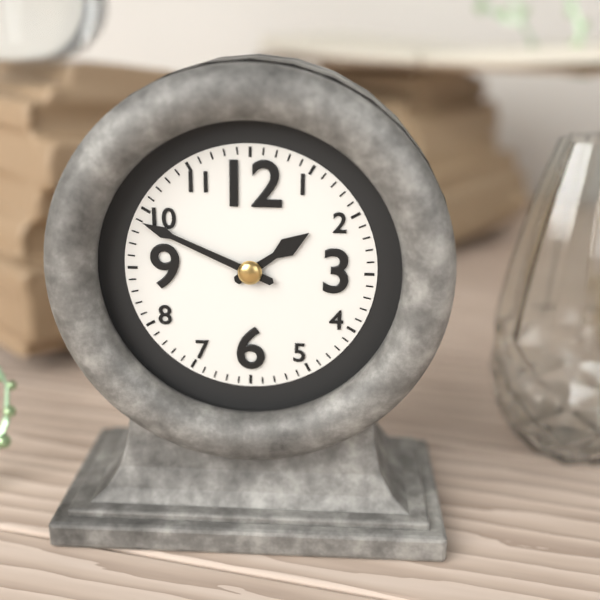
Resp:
h=1 m=49
